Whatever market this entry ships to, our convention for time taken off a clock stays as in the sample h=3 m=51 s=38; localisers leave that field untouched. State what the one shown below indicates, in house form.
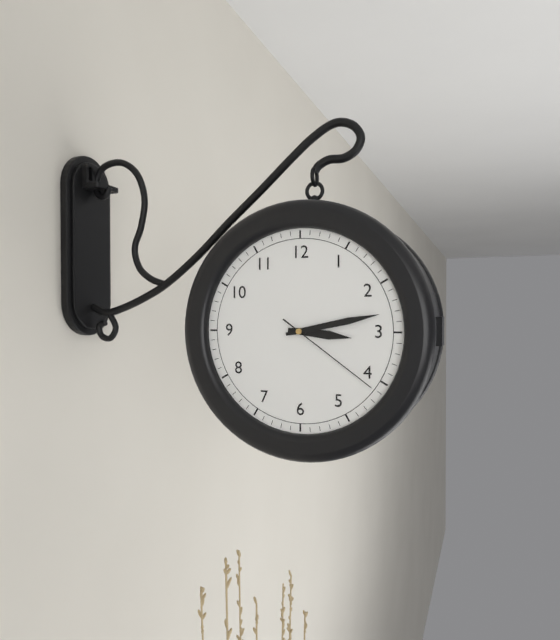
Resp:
h=3 m=13 s=21
